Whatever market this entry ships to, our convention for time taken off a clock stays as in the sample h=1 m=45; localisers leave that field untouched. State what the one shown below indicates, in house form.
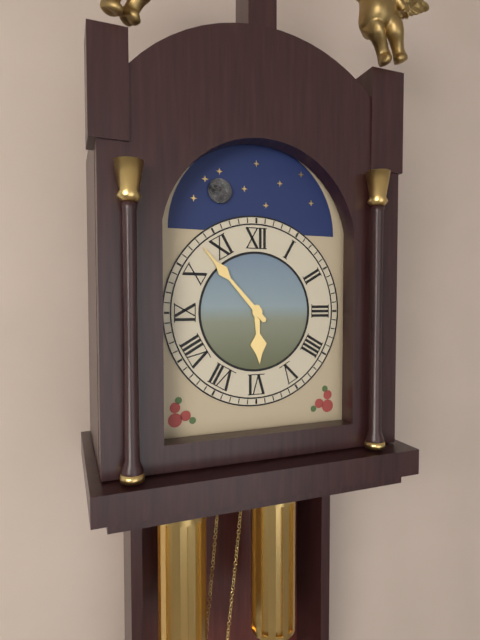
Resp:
h=5 m=53
